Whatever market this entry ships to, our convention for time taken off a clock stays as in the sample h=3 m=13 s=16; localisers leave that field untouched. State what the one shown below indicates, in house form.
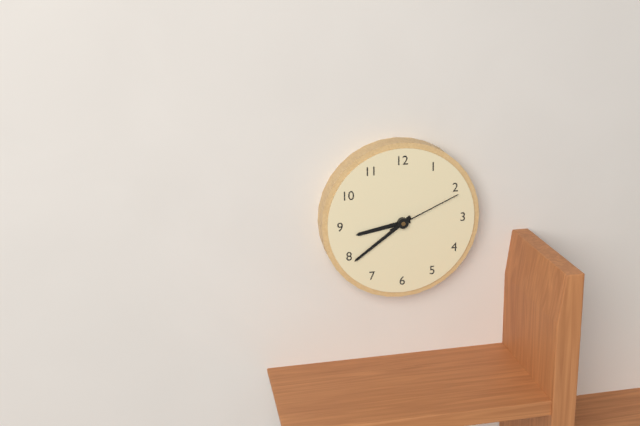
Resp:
h=8 m=39 s=11
